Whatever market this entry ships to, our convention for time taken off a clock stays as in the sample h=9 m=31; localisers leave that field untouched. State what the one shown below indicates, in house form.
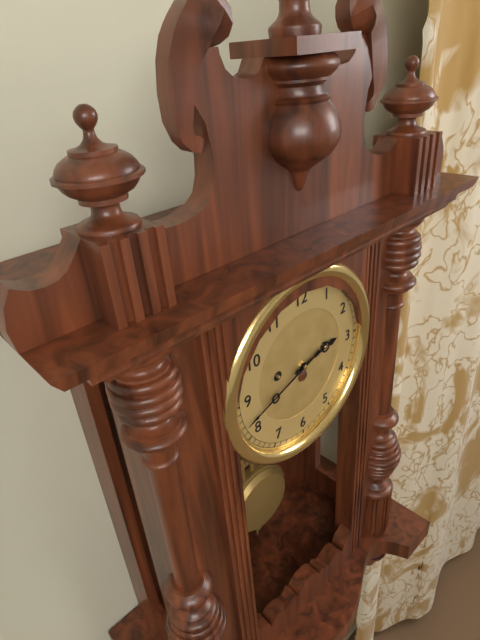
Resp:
h=2 m=42
